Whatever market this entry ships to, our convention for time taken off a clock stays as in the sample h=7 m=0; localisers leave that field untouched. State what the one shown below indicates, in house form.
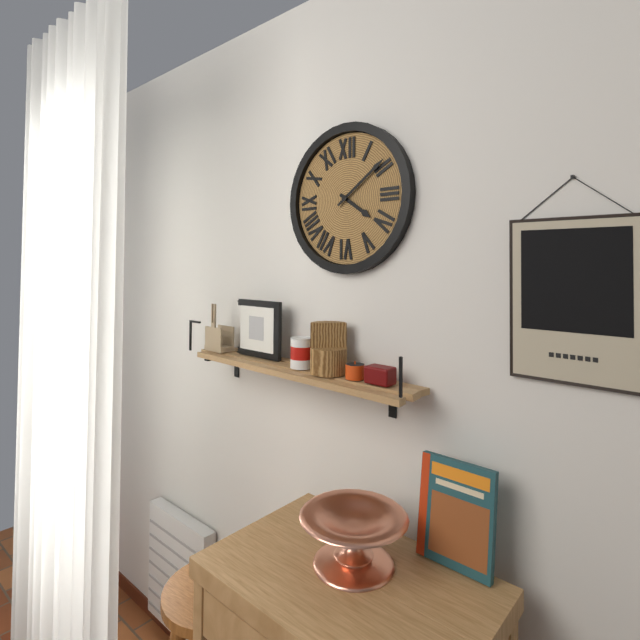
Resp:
h=4 m=9
